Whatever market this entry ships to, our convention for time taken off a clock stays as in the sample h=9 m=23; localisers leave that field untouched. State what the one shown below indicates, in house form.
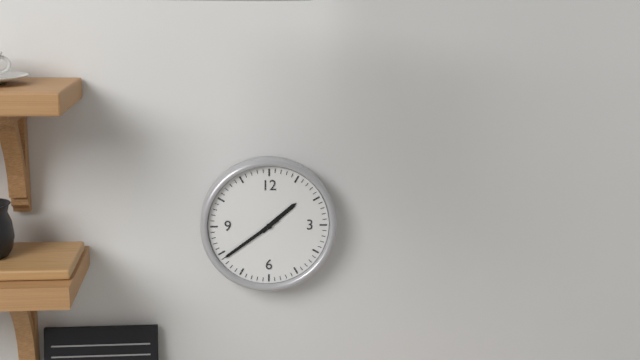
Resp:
h=1 m=39
